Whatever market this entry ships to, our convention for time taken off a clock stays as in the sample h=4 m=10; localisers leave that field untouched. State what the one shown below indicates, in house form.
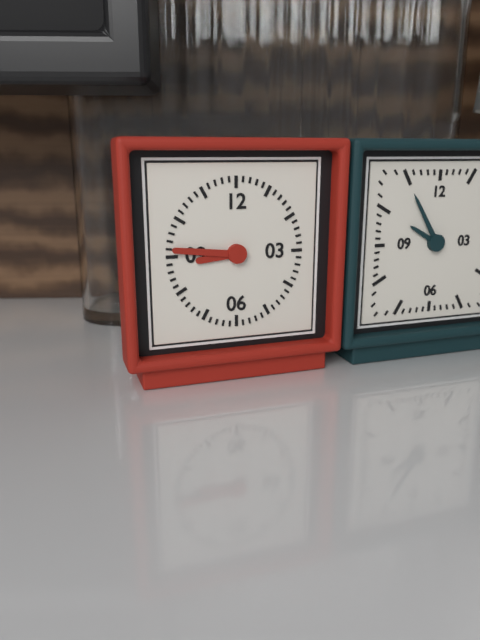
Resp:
h=8 m=46
